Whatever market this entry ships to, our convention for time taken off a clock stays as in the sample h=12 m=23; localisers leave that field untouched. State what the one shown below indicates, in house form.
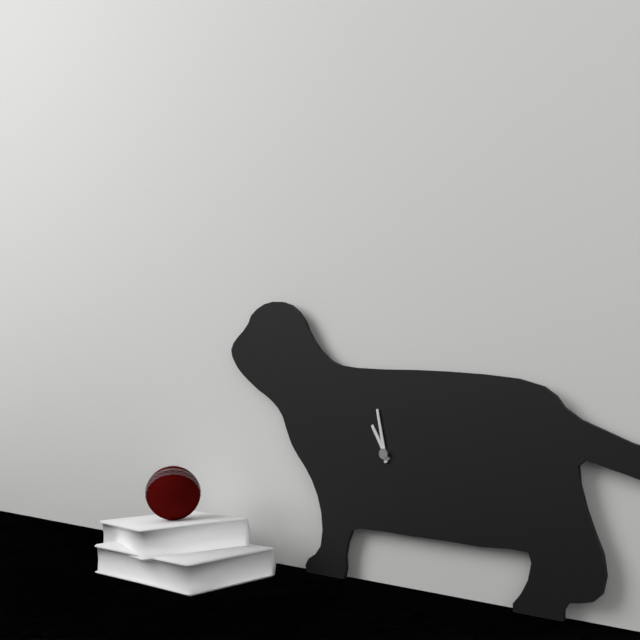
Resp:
h=10 m=58
